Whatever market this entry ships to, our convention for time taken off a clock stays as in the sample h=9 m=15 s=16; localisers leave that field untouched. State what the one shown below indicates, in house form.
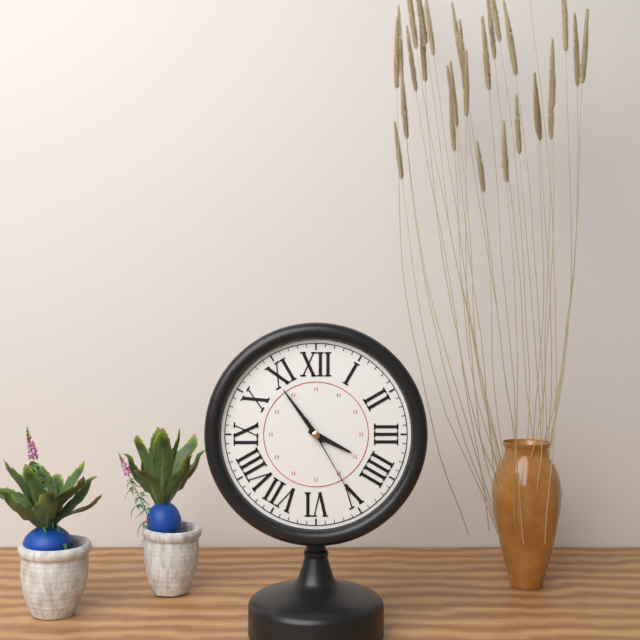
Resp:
h=3 m=54 s=25
